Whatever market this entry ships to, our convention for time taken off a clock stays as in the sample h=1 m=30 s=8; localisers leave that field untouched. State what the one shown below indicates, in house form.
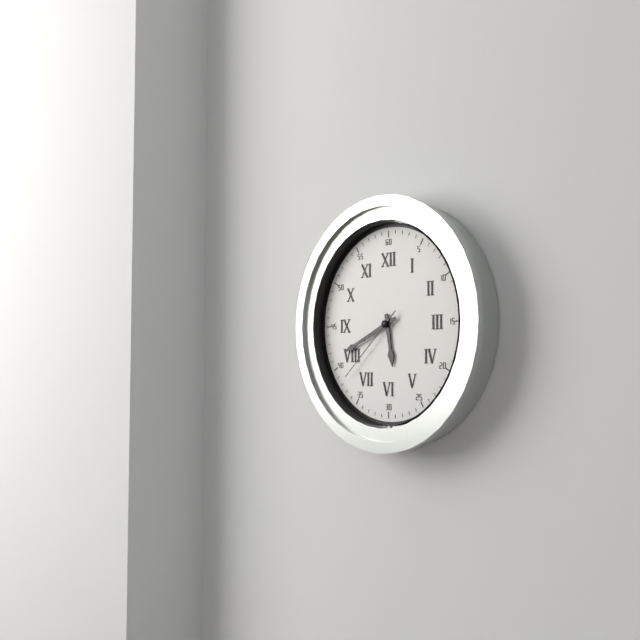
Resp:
h=5 m=41 s=38
